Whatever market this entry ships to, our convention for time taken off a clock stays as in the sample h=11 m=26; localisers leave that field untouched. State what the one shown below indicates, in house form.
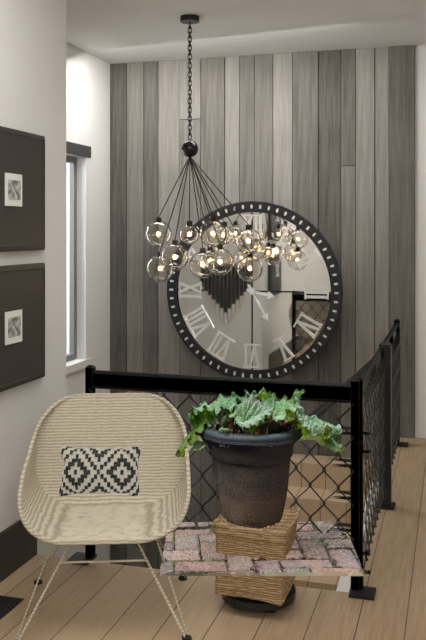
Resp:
h=3 m=25
